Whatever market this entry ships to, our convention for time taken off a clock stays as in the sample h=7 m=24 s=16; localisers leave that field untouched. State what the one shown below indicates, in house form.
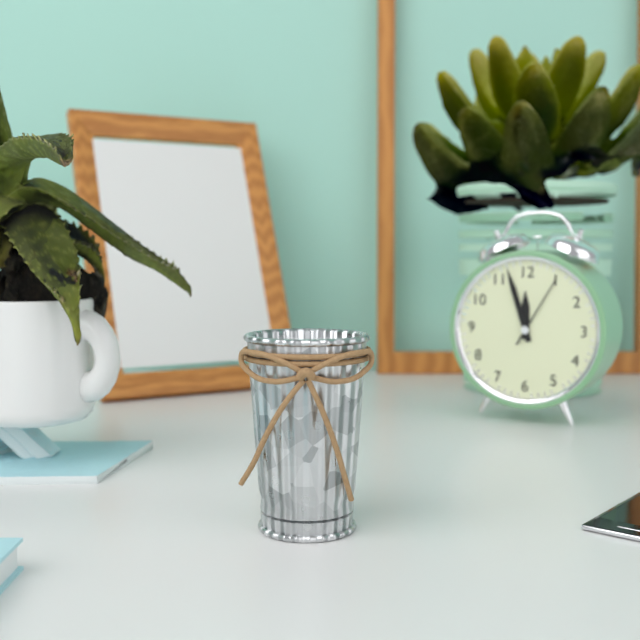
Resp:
h=11 m=57 s=5
